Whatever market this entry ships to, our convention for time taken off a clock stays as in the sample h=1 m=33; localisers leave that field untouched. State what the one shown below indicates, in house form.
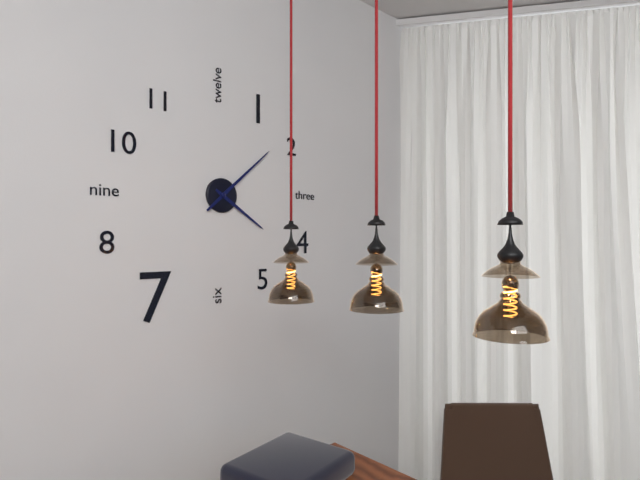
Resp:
h=4 m=8
